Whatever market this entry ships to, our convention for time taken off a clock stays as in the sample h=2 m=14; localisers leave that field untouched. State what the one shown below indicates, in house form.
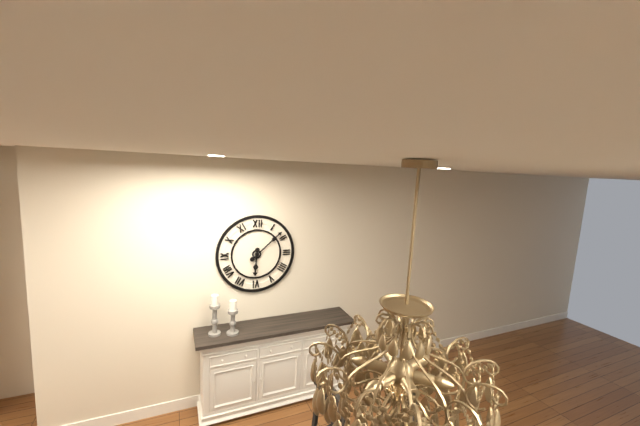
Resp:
h=6 m=8
